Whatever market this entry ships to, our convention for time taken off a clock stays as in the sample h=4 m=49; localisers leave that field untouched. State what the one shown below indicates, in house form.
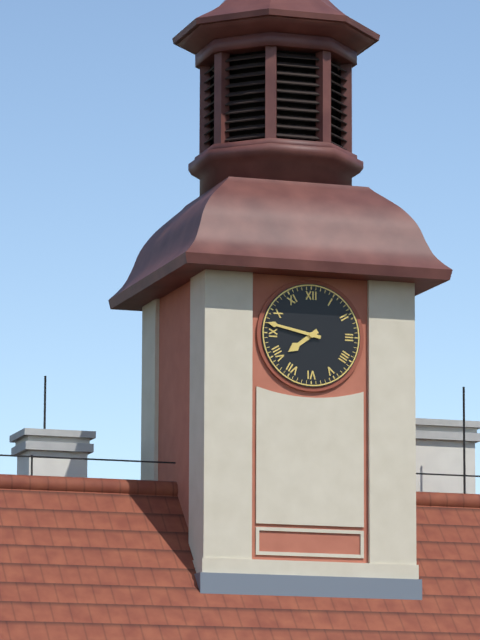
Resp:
h=7 m=47
